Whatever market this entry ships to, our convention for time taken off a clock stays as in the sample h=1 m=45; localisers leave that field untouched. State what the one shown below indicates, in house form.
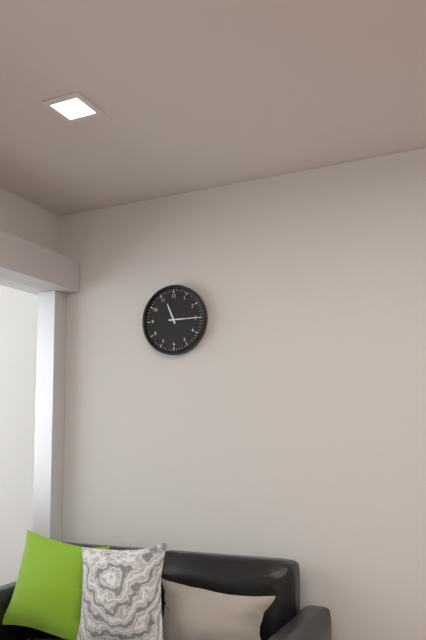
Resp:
h=11 m=15
